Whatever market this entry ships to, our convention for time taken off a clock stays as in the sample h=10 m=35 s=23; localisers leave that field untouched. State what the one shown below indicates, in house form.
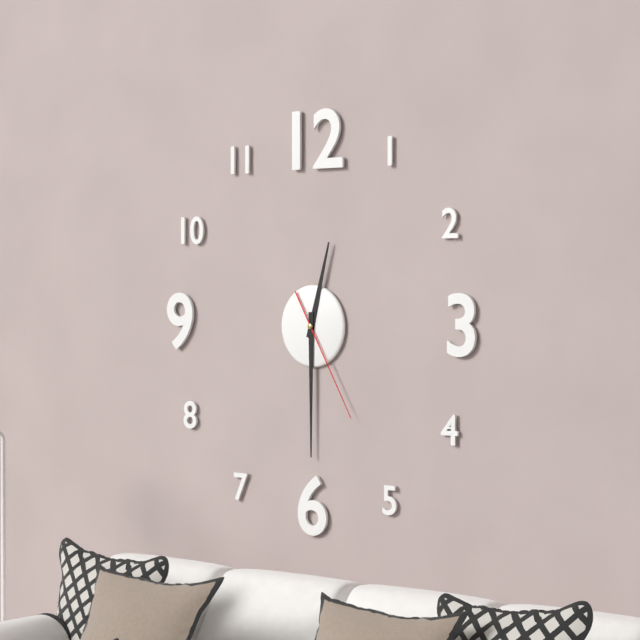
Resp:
h=12 m=30 s=25
